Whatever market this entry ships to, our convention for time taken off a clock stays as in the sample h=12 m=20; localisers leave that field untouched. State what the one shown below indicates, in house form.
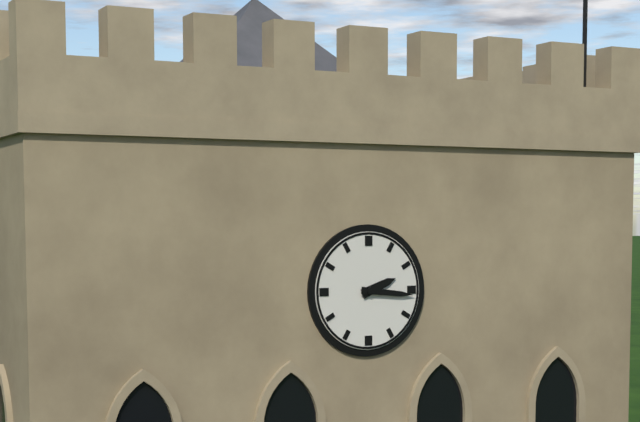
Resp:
h=2 m=16
